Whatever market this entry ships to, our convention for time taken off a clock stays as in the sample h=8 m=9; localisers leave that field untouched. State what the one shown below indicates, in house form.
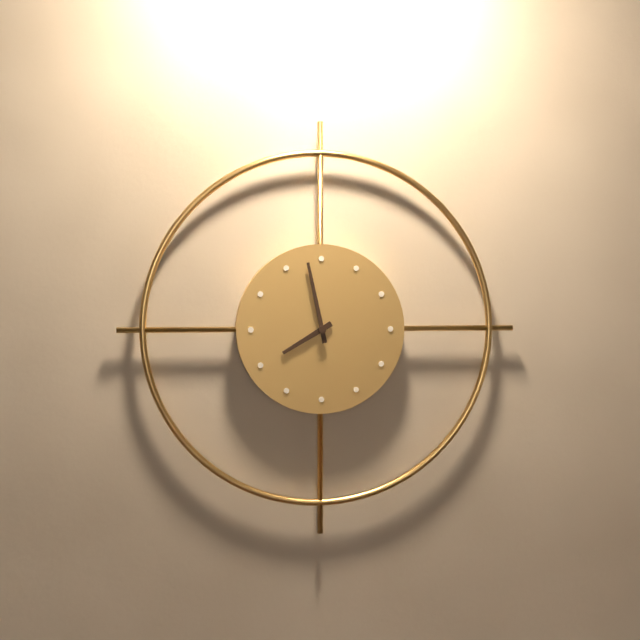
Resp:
h=7 m=58
